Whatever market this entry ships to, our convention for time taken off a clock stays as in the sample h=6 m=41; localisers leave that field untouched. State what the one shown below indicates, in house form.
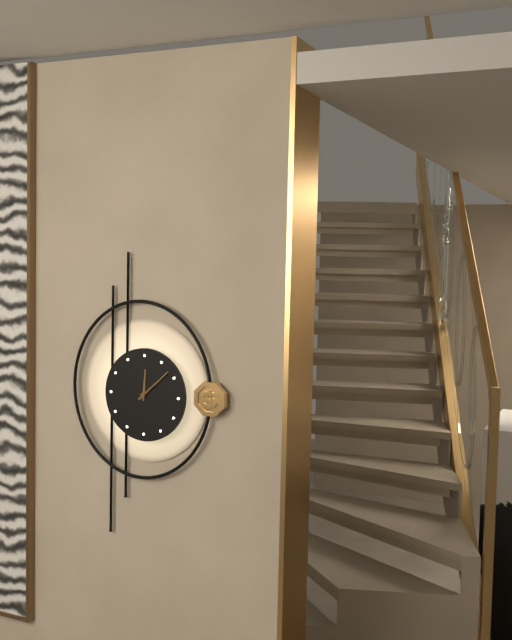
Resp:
h=12 m=8
